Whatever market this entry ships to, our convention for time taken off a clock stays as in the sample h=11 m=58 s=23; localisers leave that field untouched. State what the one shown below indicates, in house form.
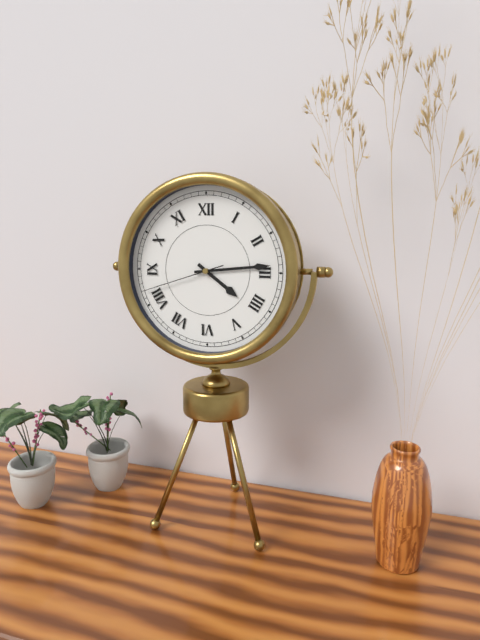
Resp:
h=4 m=14 s=42
